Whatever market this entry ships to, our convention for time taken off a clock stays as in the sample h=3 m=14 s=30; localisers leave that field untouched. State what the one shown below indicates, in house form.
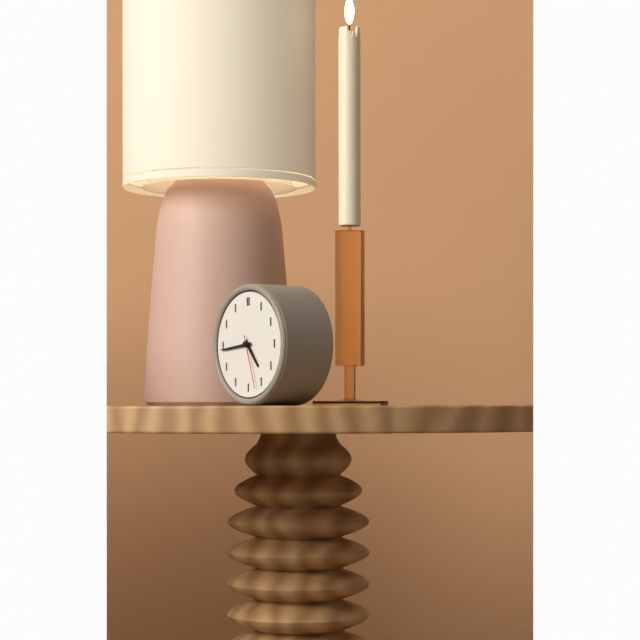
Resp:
h=4 m=44 s=27
